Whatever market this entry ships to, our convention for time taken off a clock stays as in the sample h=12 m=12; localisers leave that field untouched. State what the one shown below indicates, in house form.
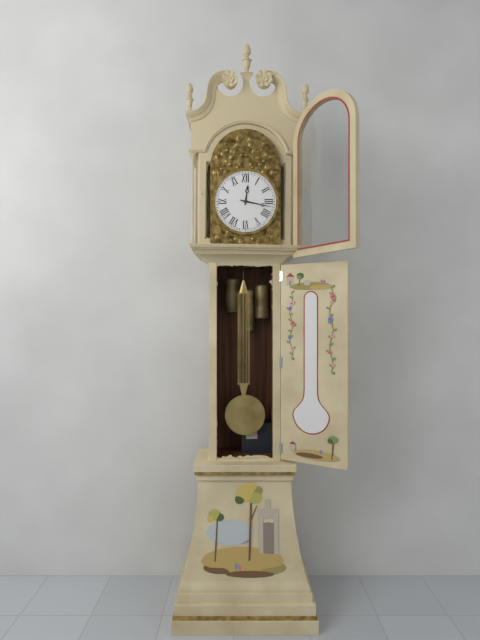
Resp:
h=12 m=17
